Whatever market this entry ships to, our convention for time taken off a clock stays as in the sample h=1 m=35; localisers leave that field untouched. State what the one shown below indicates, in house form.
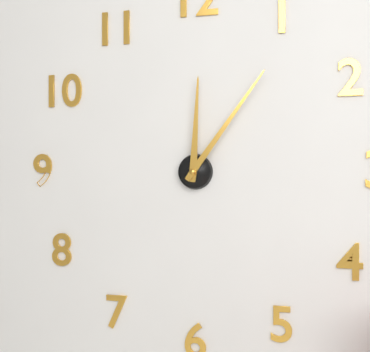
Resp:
h=12 m=6
